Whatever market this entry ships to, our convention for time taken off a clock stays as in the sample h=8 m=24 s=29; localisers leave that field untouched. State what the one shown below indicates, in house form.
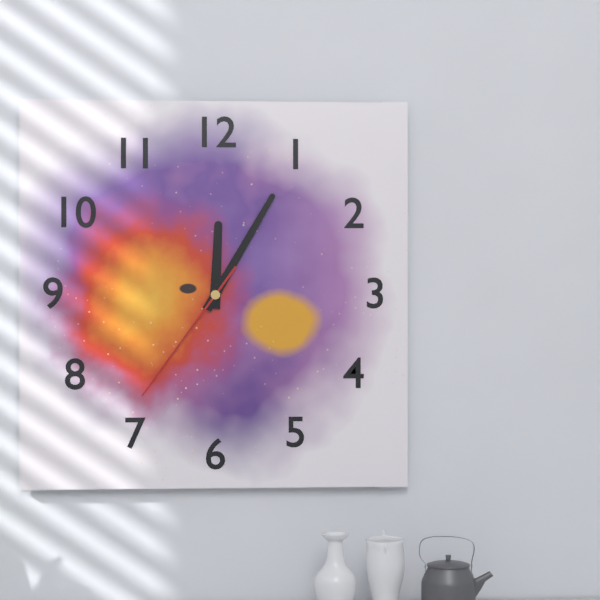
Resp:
h=12 m=5 s=36
